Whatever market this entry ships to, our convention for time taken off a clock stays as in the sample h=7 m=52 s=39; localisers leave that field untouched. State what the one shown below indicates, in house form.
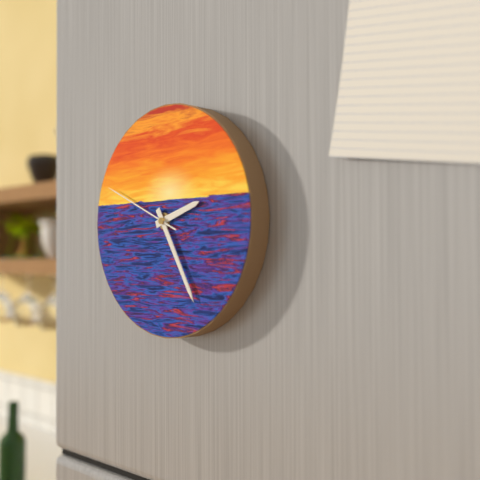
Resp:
h=2 m=25 s=49
